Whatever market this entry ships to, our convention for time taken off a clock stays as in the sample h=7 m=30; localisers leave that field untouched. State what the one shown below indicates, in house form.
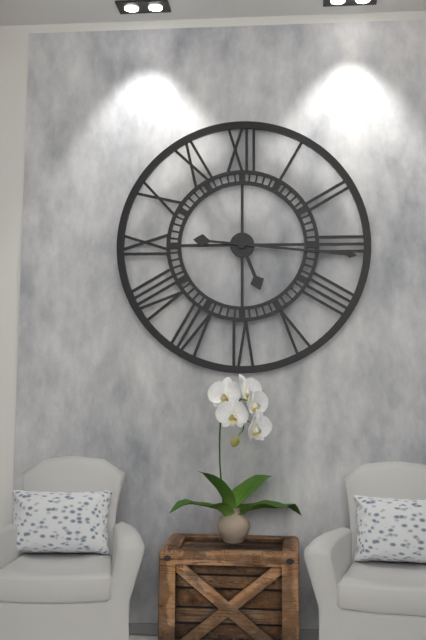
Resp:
h=5 m=16
